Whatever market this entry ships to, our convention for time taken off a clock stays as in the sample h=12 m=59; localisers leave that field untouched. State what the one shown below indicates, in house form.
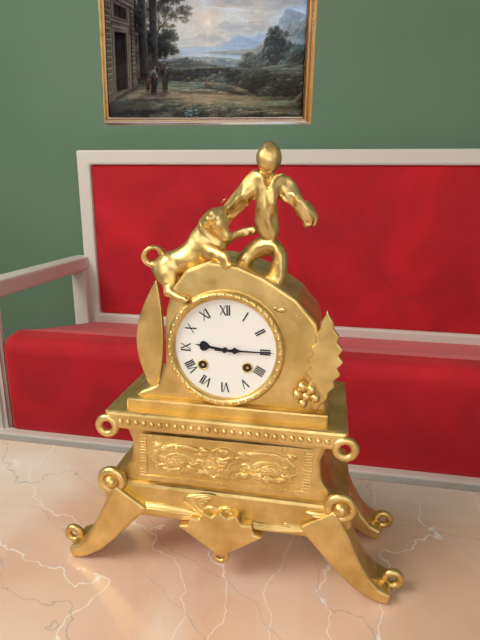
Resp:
h=9 m=15
